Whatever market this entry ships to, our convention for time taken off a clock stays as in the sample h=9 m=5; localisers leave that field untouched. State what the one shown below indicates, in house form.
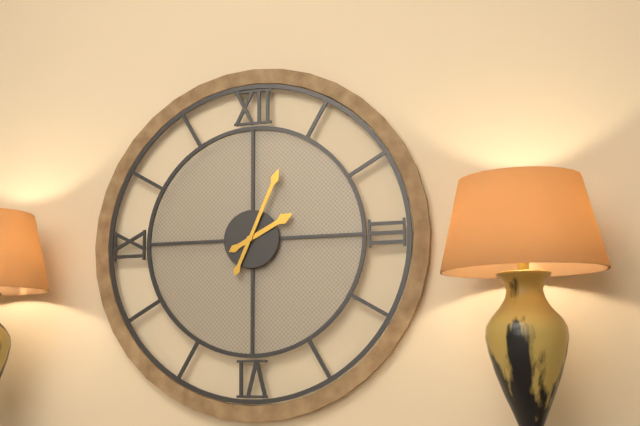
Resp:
h=2 m=4
